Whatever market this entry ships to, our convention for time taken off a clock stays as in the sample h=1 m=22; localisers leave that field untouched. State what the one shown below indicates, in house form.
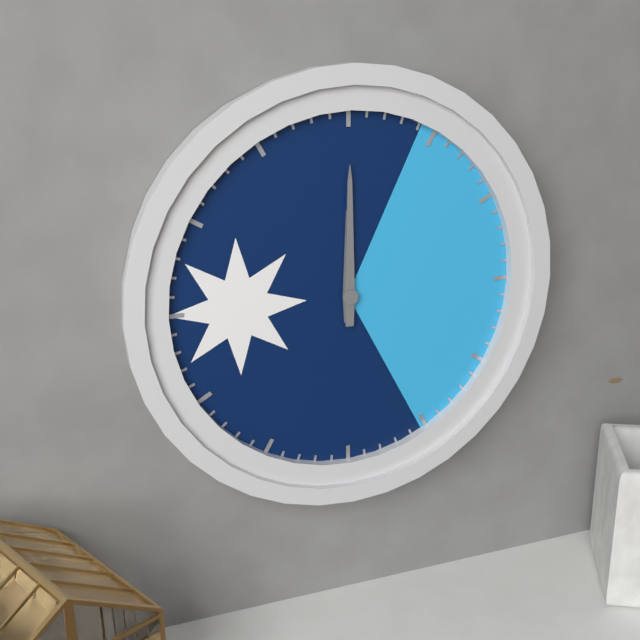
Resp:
h=12 m=0
